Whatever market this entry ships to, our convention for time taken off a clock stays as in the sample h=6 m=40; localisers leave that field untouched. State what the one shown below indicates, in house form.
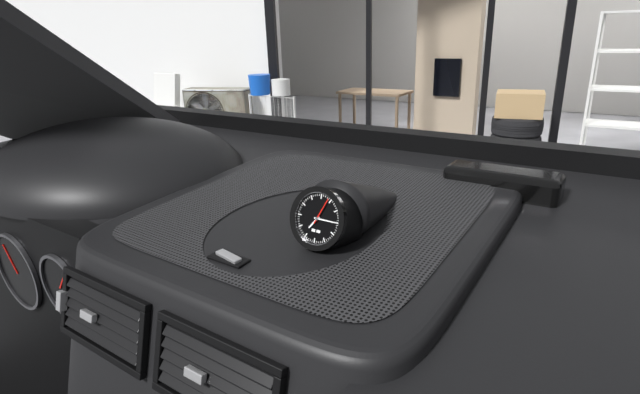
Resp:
h=7 m=15
